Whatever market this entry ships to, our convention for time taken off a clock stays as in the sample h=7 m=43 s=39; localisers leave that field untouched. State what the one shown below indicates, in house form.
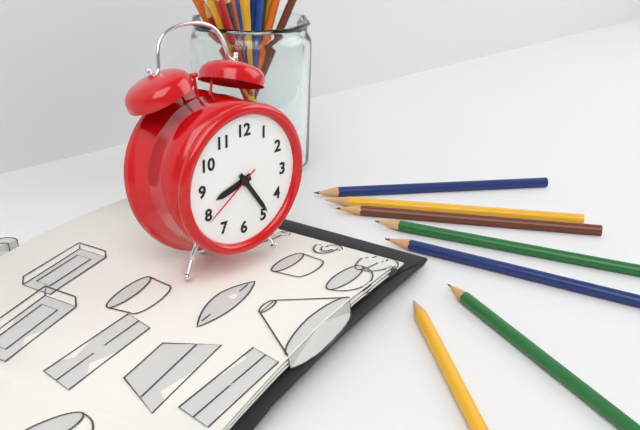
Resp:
h=8 m=24 s=39
